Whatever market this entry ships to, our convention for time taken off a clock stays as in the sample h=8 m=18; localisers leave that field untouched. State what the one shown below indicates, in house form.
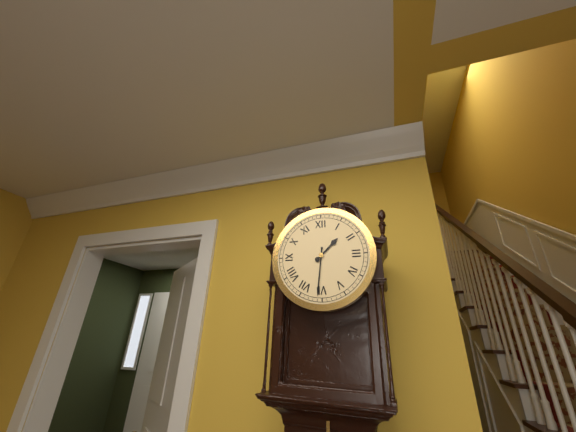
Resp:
h=1 m=31
